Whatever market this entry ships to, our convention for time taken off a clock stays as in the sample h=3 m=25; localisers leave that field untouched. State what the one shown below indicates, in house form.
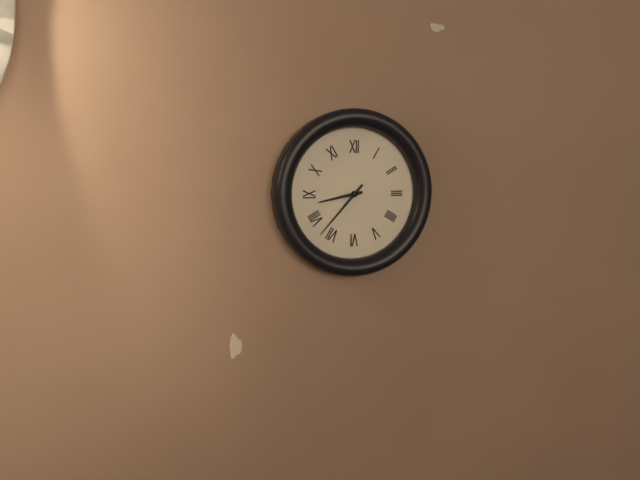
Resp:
h=8 m=37
